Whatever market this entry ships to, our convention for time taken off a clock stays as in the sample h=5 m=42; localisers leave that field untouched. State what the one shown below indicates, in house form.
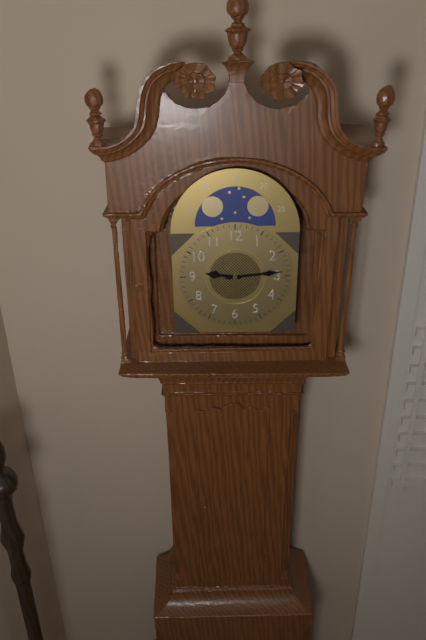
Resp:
h=9 m=14
